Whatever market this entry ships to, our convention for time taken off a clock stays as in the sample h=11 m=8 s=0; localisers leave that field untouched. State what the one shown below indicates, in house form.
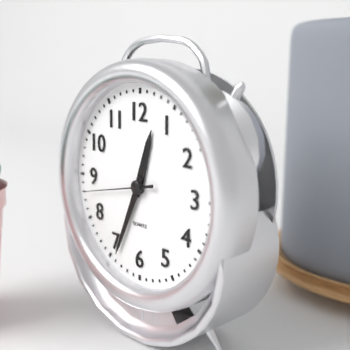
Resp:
h=12 m=34 s=43
